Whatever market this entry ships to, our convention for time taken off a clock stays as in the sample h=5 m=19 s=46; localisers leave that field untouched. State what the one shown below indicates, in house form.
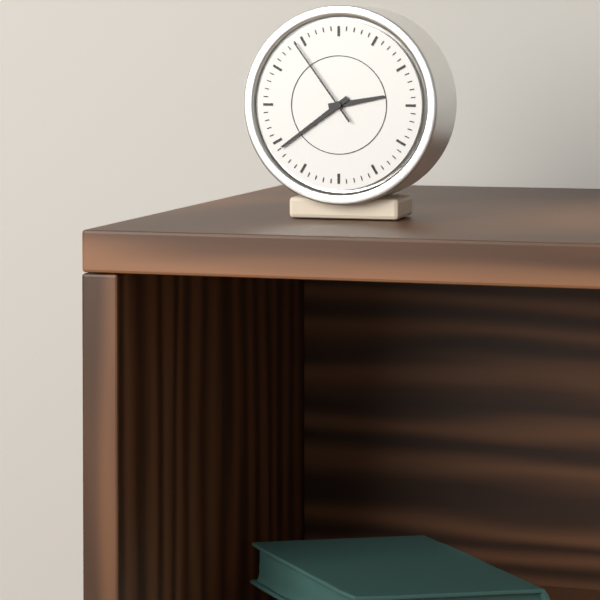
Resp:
h=2 m=39 s=54
